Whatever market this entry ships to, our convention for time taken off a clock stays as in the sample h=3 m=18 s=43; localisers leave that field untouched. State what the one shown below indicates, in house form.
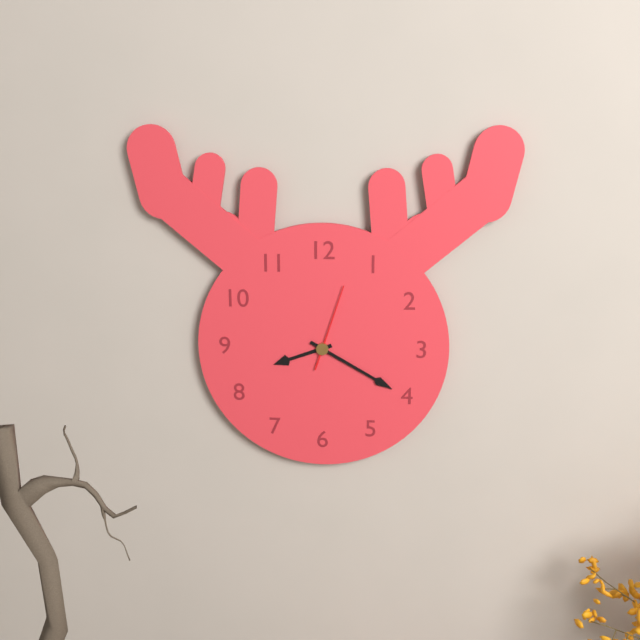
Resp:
h=8 m=20 s=3
